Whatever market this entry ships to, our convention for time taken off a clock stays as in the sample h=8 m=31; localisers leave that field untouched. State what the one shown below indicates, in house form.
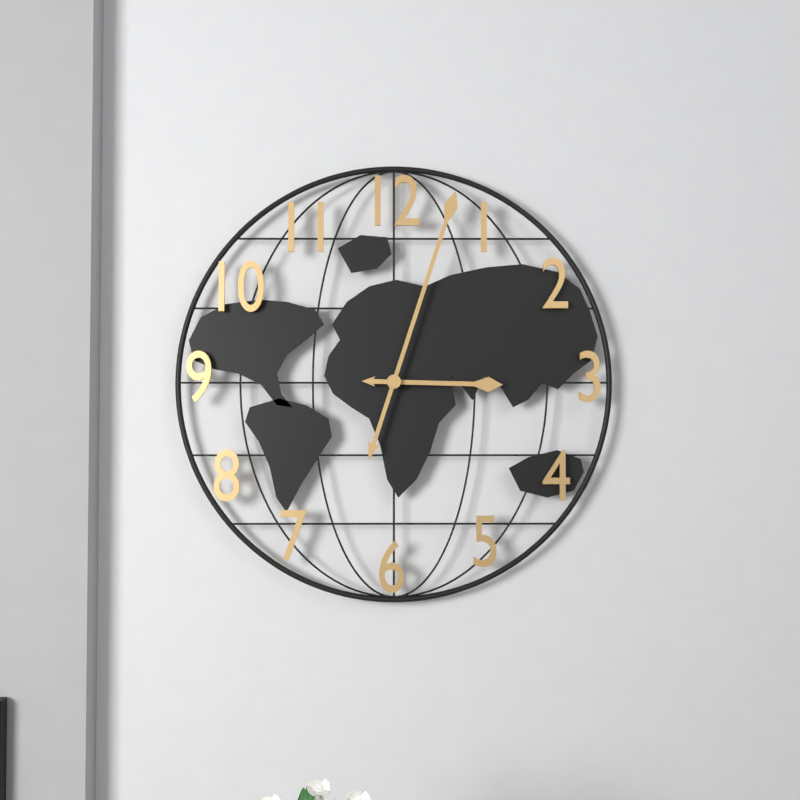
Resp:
h=3 m=3
